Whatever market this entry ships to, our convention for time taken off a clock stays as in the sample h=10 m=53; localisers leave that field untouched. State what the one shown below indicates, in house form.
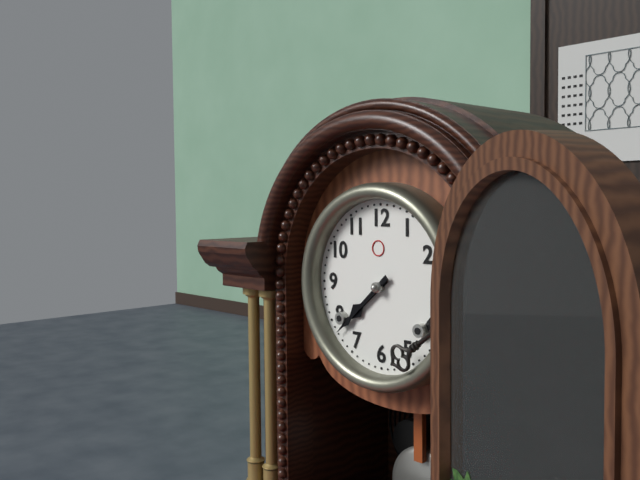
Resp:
h=7 m=38
